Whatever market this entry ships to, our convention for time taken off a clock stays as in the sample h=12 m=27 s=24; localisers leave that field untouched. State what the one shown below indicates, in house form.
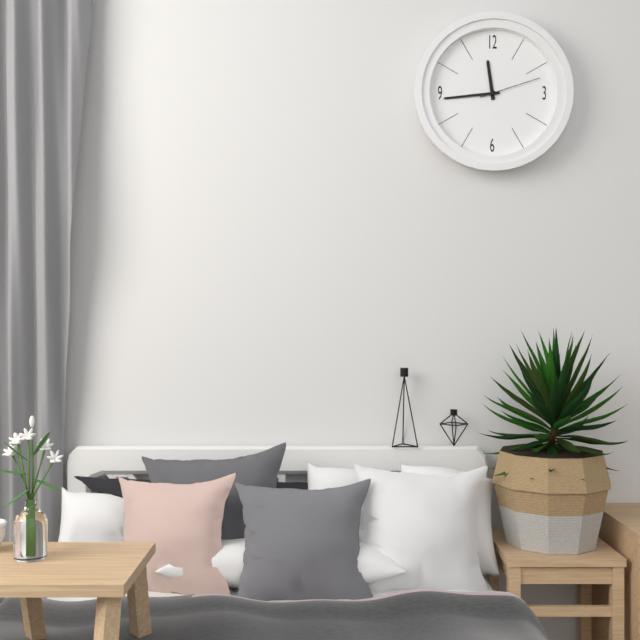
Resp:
h=11 m=44 s=12
